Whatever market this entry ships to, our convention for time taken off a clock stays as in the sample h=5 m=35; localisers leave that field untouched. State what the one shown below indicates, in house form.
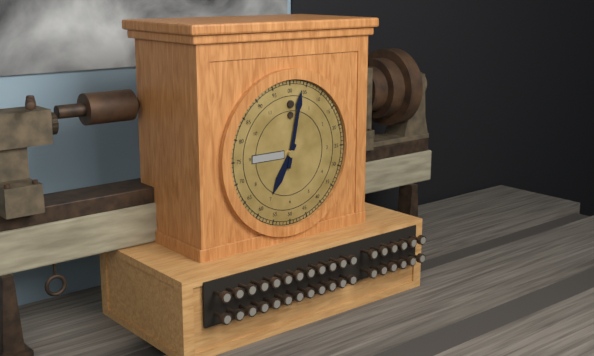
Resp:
h=7 m=2
